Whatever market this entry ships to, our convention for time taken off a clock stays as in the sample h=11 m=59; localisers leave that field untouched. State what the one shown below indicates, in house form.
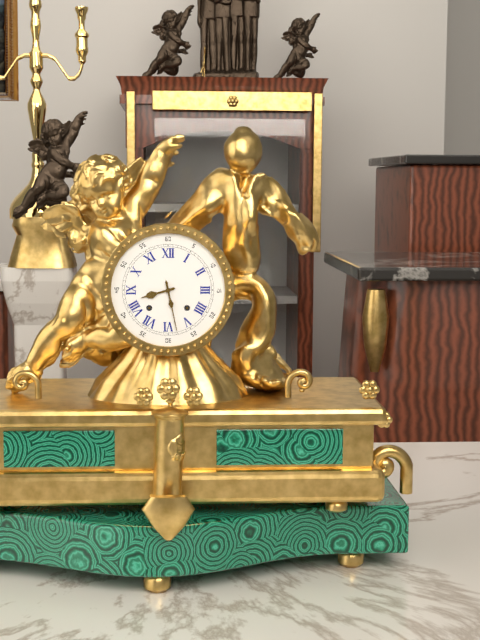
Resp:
h=8 m=28
